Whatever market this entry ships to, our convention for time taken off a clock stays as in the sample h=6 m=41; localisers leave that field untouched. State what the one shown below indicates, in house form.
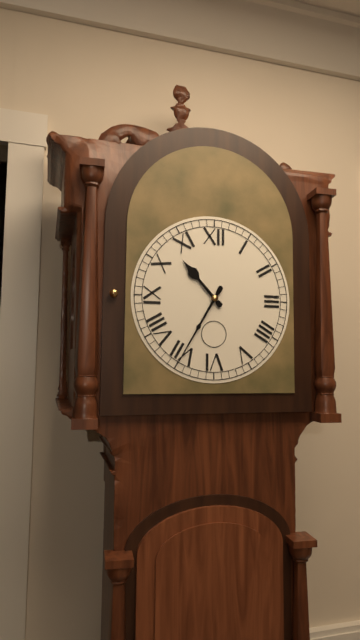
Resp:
h=10 m=35
